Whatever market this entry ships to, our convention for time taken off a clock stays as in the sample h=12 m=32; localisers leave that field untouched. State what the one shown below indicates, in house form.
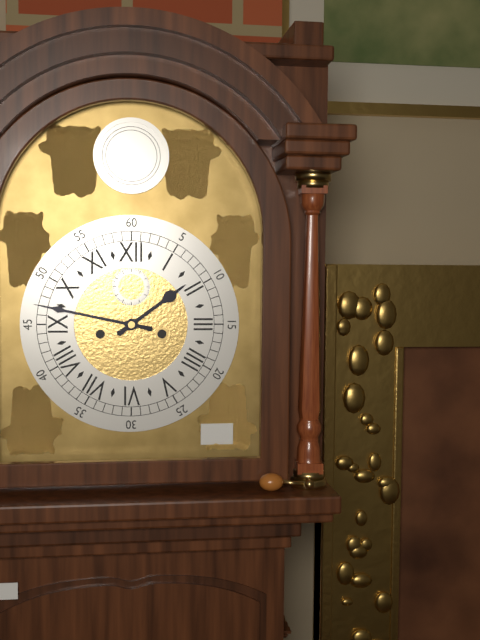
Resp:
h=1 m=47
